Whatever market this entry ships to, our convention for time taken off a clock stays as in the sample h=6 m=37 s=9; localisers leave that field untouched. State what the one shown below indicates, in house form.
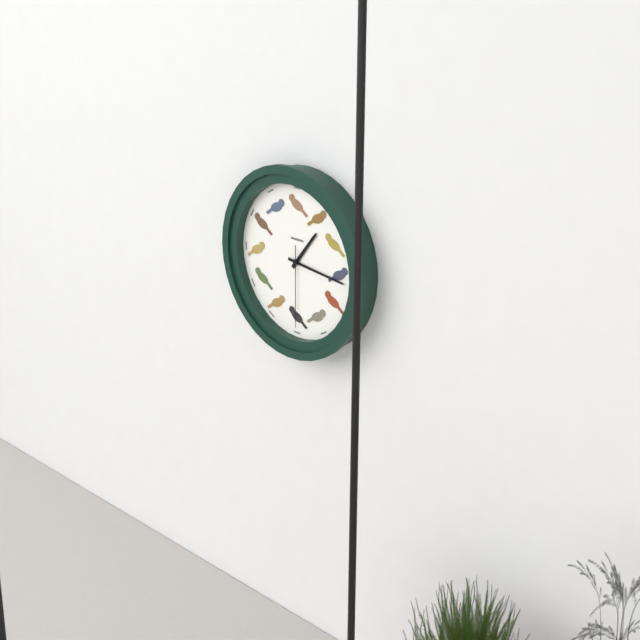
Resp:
h=1 m=16 s=30
